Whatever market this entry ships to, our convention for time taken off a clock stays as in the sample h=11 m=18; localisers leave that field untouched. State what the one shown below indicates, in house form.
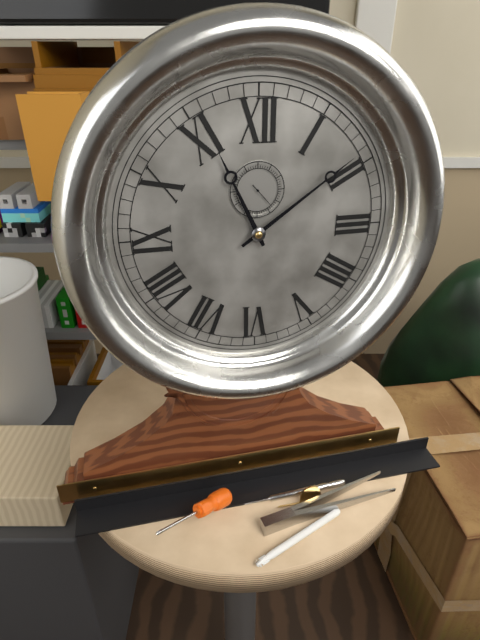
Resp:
h=11 m=9
